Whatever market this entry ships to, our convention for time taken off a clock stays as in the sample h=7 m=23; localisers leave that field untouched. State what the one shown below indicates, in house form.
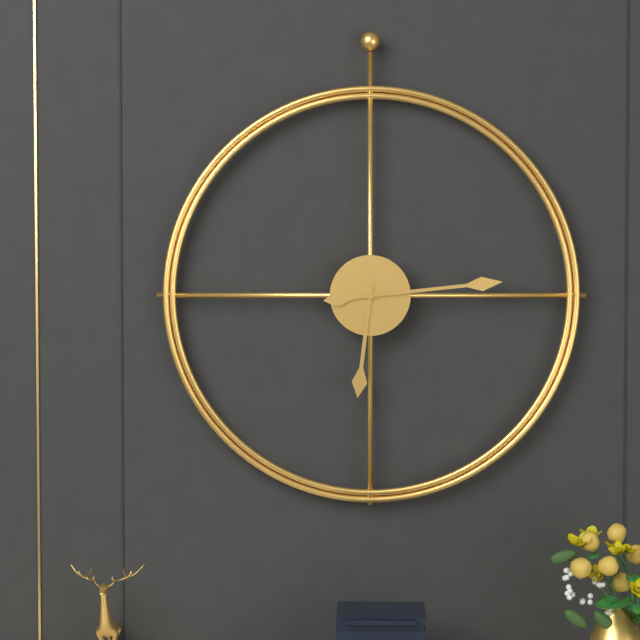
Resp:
h=6 m=14
